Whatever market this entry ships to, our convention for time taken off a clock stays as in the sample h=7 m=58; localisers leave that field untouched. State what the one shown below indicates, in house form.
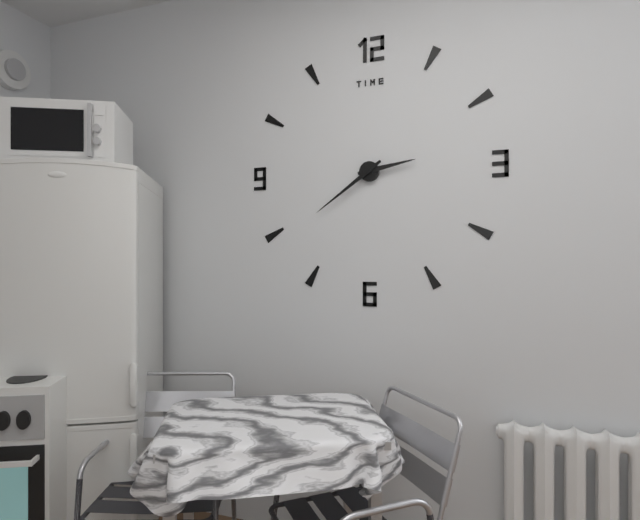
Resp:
h=2 m=39
